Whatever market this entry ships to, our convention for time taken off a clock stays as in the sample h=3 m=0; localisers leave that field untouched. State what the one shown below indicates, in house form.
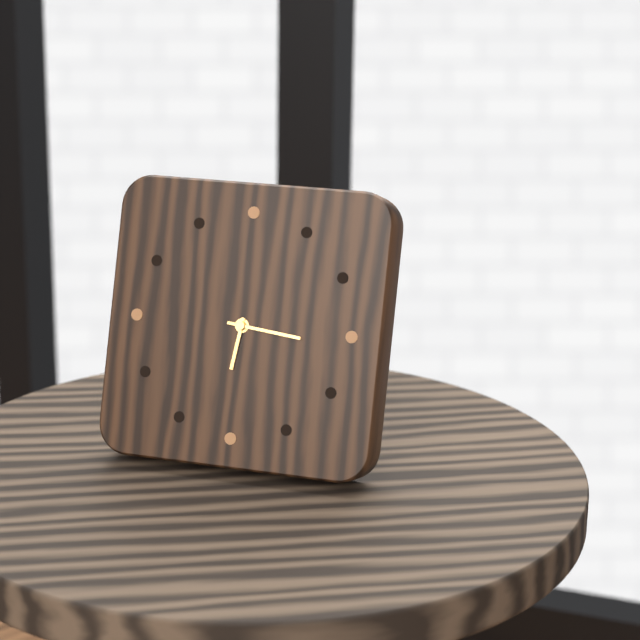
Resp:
h=6 m=16
